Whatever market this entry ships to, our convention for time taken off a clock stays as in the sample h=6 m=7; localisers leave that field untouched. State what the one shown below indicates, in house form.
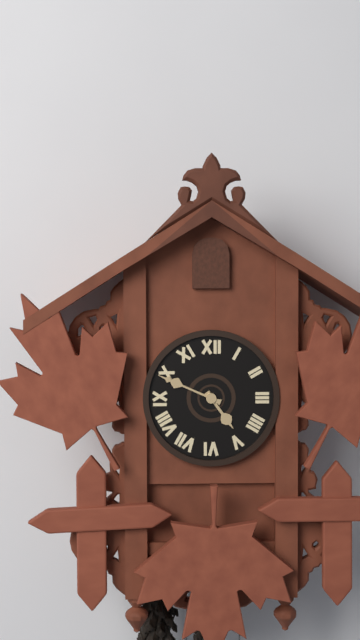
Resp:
h=4 m=49
